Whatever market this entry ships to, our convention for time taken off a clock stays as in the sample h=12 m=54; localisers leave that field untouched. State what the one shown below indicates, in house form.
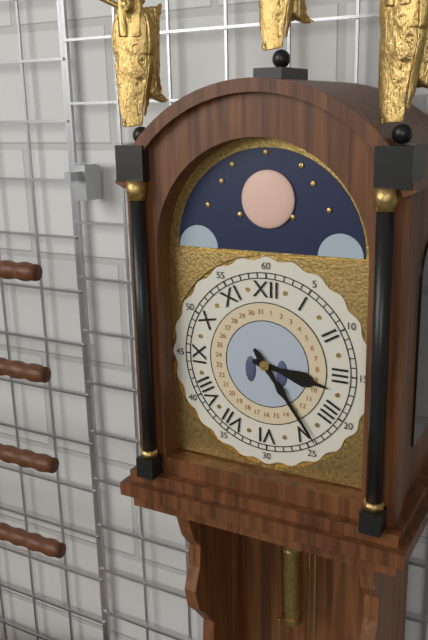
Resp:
h=3 m=24
